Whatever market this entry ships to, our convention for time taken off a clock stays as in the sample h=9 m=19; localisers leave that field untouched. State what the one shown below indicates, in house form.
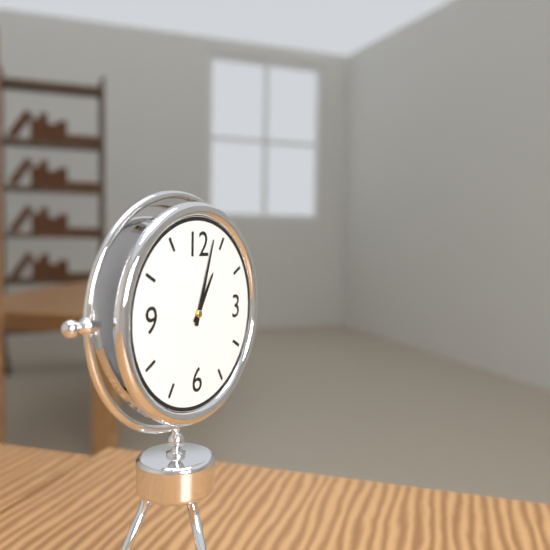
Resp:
h=1 m=3
